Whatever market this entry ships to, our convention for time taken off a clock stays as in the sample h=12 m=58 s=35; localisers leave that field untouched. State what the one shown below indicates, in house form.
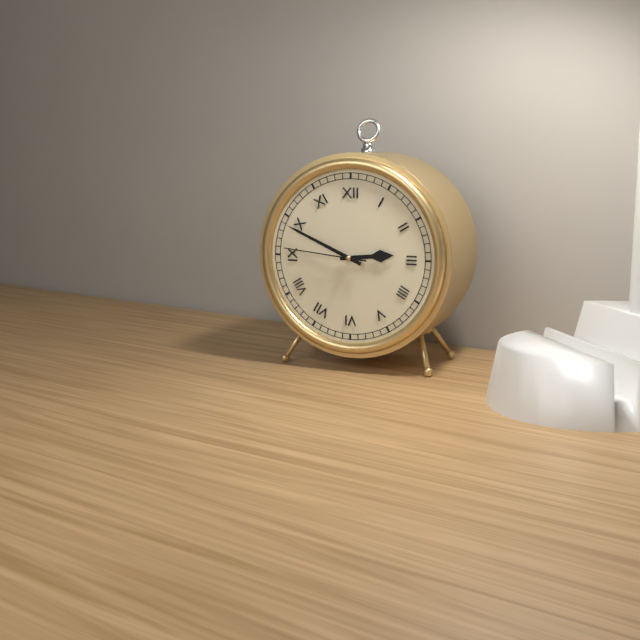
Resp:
h=2 m=49 s=46
